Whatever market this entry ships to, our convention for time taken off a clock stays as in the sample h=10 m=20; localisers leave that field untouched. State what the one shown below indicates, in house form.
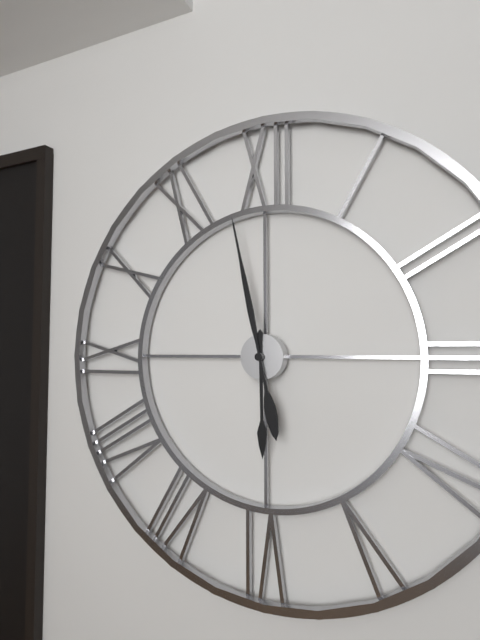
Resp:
h=5 m=58
